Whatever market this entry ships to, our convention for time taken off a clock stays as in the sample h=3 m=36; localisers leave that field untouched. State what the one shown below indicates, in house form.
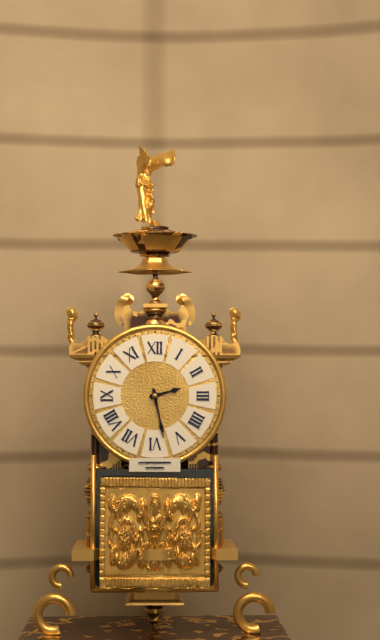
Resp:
h=2 m=28
